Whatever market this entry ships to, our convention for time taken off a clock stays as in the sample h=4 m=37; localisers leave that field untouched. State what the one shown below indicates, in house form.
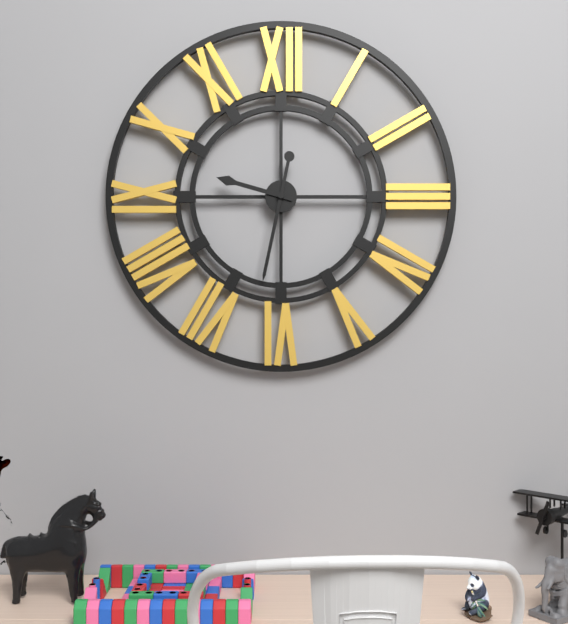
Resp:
h=9 m=32
